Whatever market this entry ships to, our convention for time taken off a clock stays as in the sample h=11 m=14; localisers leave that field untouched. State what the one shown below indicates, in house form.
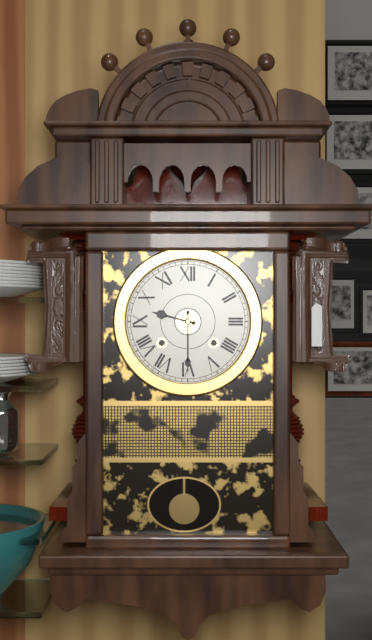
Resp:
h=9 m=30
